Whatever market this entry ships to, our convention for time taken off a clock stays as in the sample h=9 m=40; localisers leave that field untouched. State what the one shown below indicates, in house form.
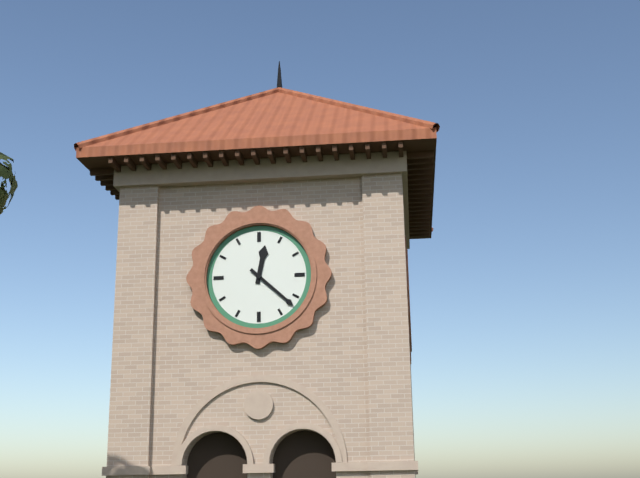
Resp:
h=12 m=22
